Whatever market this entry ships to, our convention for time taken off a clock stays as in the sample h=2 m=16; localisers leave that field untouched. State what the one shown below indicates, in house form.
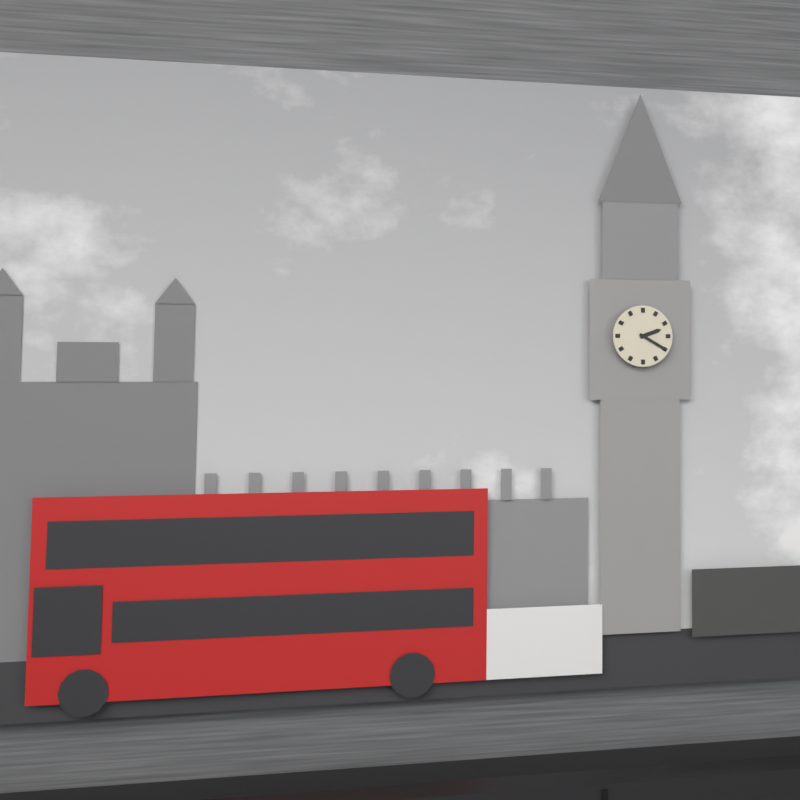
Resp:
h=2 m=20
